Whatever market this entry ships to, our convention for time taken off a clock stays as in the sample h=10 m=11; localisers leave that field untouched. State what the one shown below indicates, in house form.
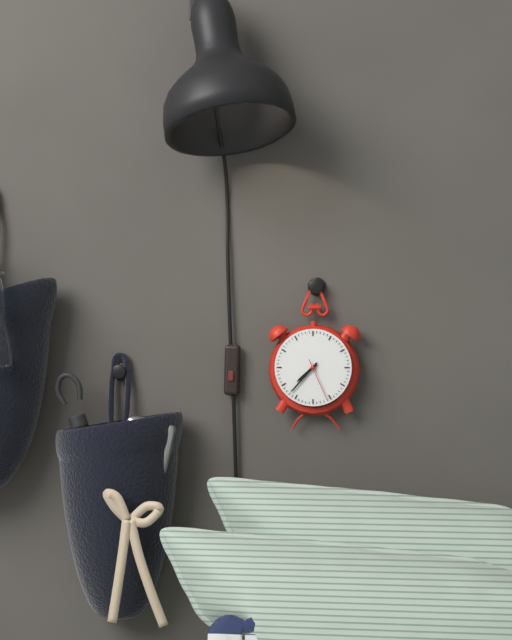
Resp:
h=7 m=37
